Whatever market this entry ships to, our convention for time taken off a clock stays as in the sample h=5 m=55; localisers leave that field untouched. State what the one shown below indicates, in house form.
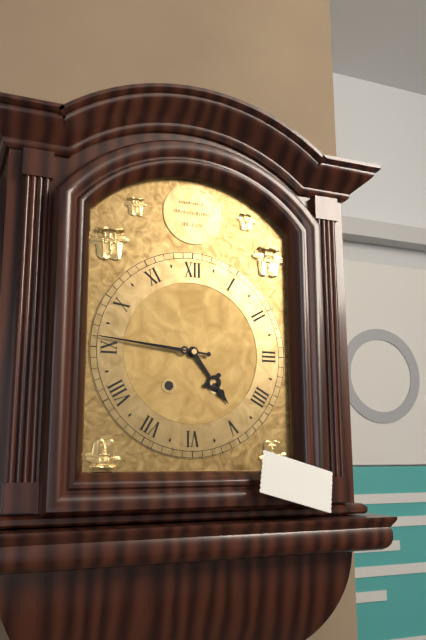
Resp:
h=4 m=46
